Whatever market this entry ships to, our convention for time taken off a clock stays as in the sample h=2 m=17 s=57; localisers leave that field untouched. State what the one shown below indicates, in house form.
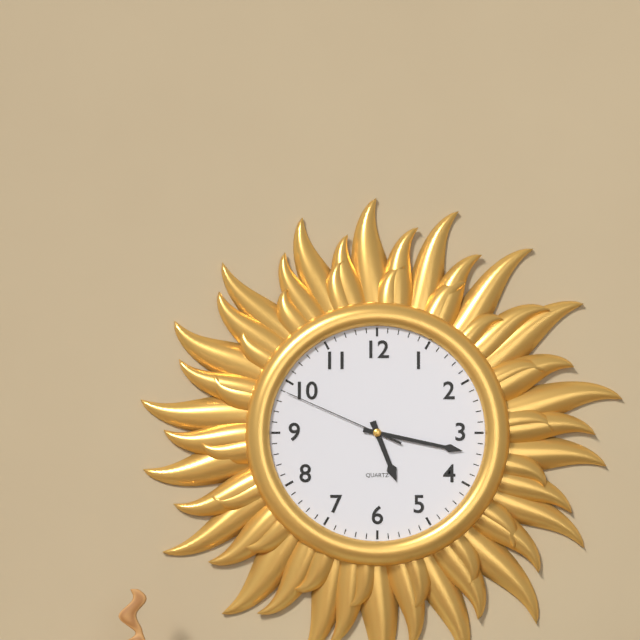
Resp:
h=5 m=17 s=49
